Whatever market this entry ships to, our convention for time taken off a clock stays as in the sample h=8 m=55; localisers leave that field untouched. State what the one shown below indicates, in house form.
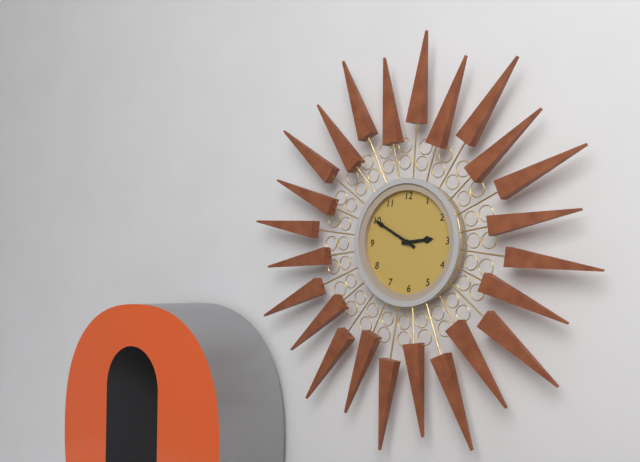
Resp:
h=2 m=50
